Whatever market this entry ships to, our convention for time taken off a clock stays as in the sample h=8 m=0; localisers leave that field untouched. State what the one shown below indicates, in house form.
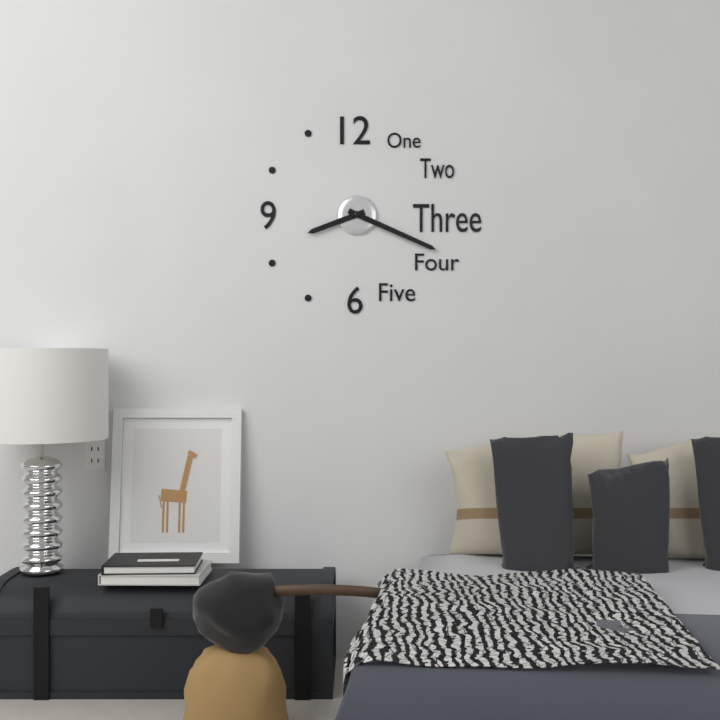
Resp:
h=8 m=19
